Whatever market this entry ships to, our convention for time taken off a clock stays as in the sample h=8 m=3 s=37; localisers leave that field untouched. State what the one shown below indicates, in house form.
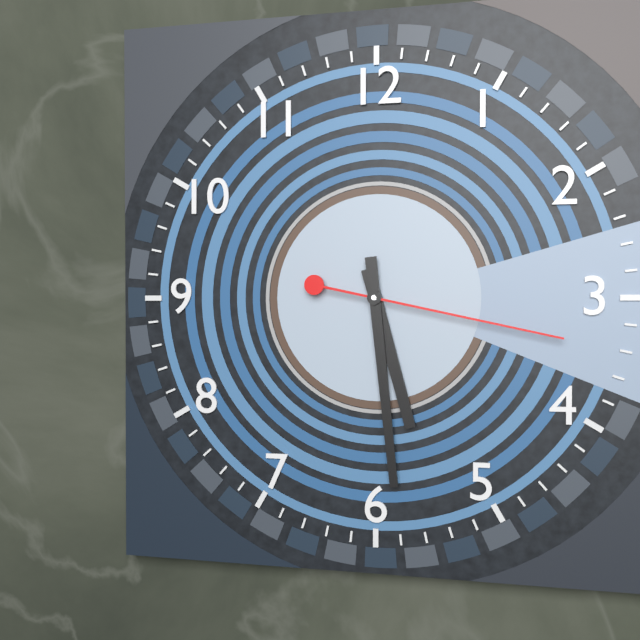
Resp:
h=5 m=29 s=17
